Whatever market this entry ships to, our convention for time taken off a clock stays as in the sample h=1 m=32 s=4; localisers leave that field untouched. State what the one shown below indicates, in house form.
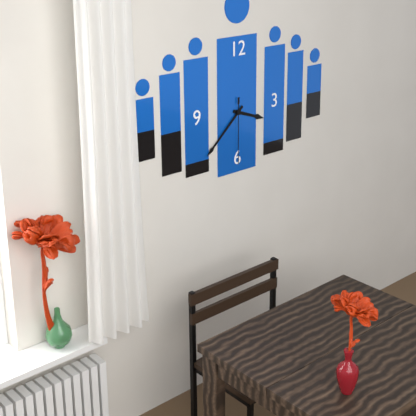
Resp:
h=3 m=38 s=30
